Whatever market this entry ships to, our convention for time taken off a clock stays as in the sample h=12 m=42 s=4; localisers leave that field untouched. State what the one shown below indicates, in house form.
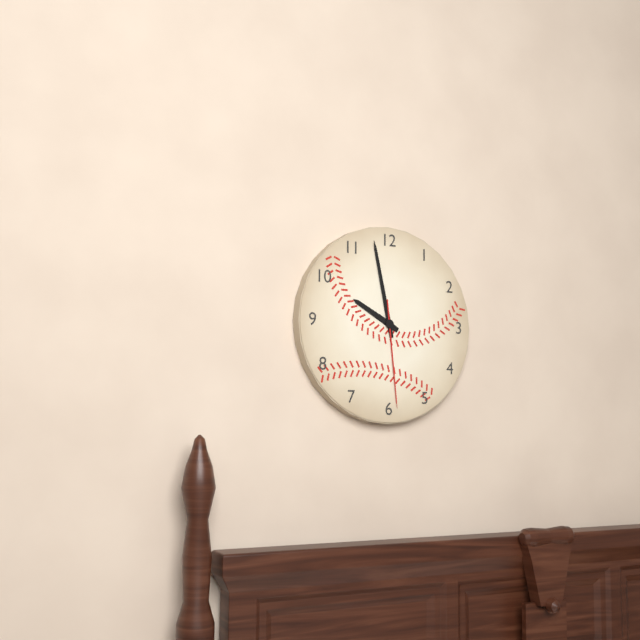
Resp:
h=9 m=58 s=29
